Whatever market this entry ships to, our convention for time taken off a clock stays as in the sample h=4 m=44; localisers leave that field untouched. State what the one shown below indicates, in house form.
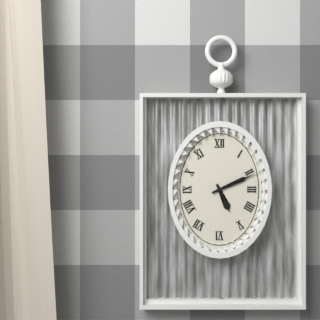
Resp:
h=5 m=11
